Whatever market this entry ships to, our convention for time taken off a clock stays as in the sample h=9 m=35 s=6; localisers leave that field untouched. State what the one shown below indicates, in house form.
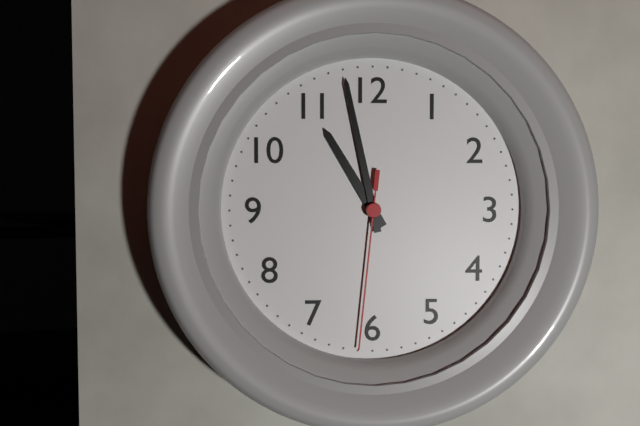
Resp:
h=10 m=58 s=31
